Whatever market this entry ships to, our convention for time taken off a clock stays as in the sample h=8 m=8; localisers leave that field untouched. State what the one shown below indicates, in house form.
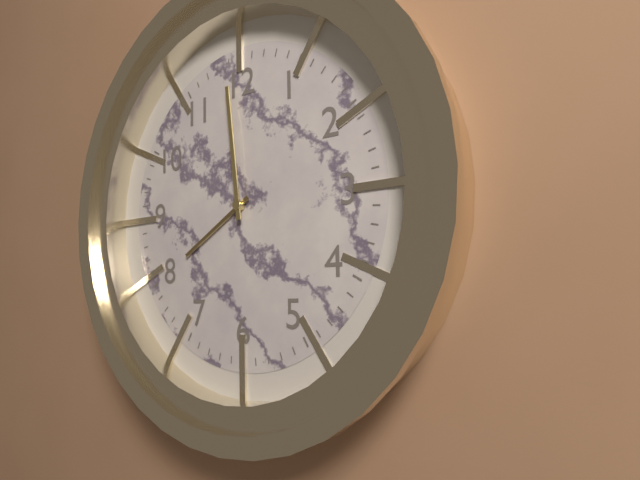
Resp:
h=7 m=59
